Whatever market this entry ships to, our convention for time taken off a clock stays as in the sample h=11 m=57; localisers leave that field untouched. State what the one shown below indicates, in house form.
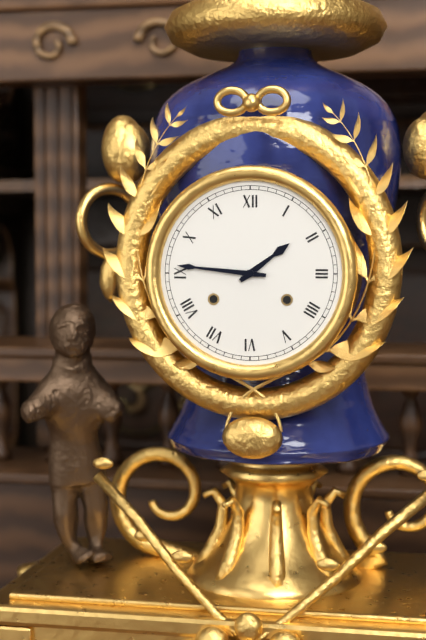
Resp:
h=1 m=46
